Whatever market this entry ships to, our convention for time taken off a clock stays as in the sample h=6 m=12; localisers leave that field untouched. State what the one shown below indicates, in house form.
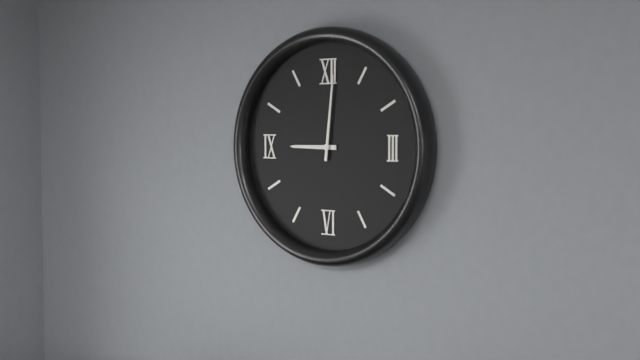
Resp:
h=9 m=1
